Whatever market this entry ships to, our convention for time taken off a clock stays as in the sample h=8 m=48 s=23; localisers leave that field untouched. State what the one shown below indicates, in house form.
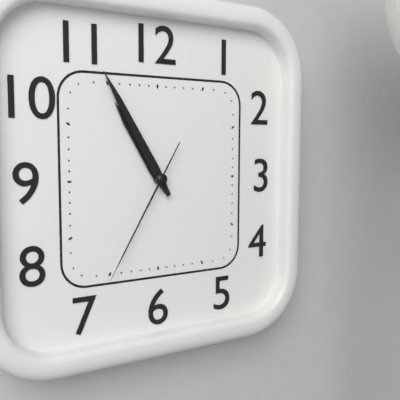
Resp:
h=10 m=55 s=35
